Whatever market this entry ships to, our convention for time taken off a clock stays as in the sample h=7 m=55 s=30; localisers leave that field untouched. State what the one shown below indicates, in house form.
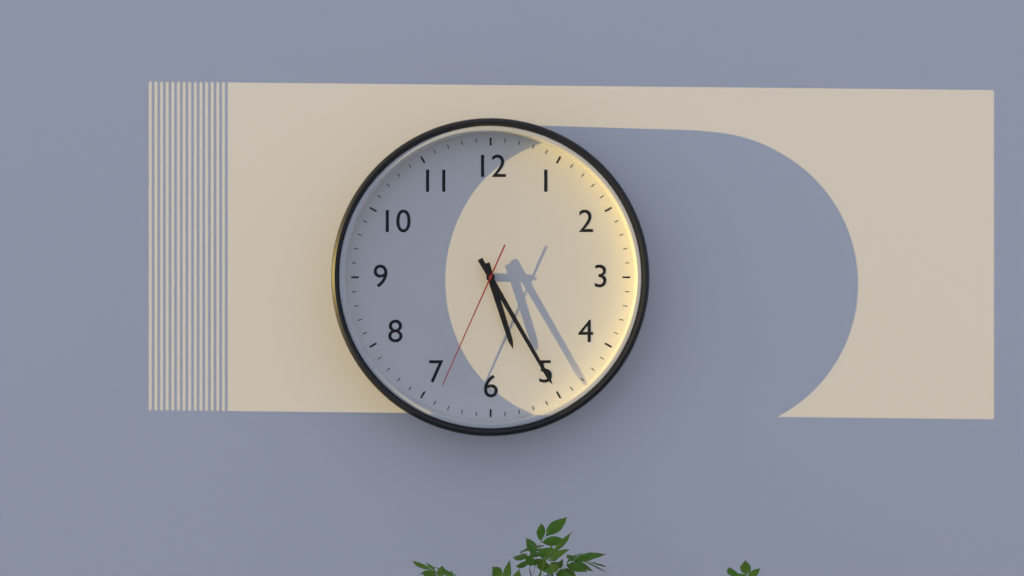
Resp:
h=5 m=25 s=34
